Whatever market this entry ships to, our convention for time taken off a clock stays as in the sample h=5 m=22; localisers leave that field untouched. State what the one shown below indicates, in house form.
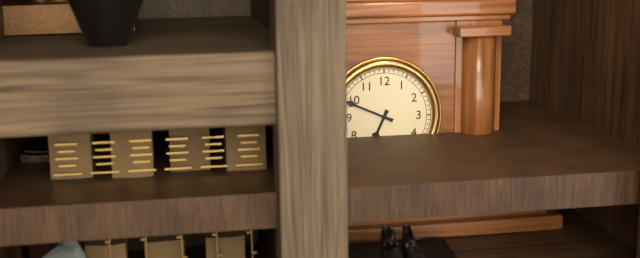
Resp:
h=6 m=49
